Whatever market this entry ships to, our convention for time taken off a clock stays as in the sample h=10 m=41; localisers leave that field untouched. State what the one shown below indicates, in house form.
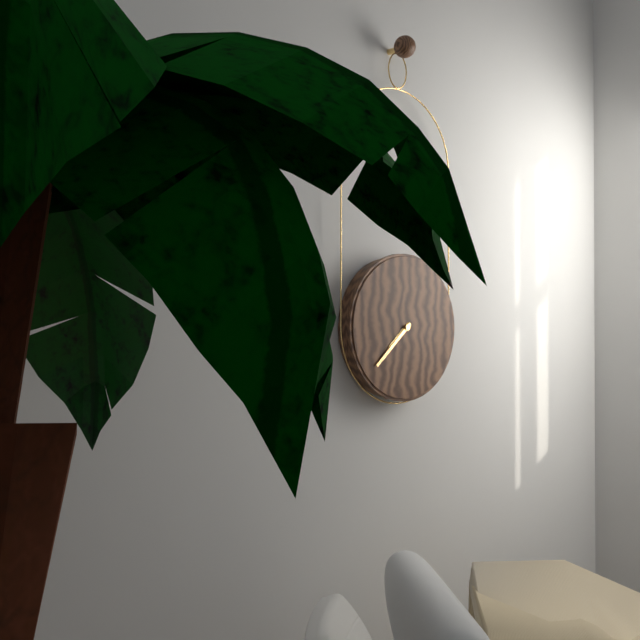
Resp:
h=7 m=38
